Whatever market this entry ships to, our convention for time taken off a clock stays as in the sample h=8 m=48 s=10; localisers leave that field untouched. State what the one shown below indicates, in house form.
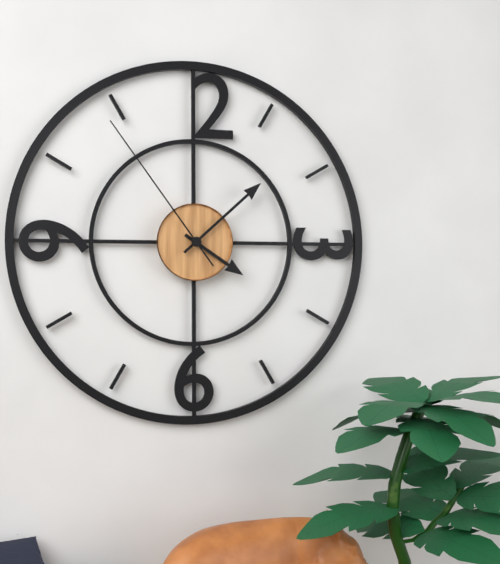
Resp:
h=4 m=8 s=54
